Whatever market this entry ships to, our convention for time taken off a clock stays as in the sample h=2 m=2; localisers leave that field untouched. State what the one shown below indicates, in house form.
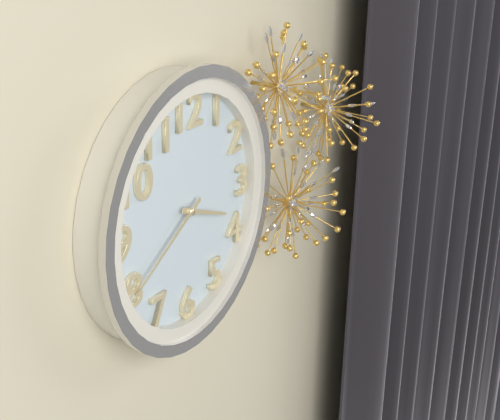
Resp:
h=3 m=40
